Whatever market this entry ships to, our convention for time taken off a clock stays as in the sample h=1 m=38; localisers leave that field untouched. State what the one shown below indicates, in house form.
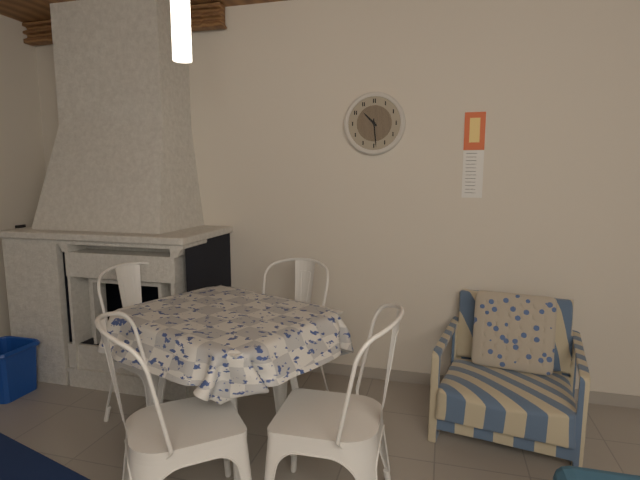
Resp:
h=10 m=29
